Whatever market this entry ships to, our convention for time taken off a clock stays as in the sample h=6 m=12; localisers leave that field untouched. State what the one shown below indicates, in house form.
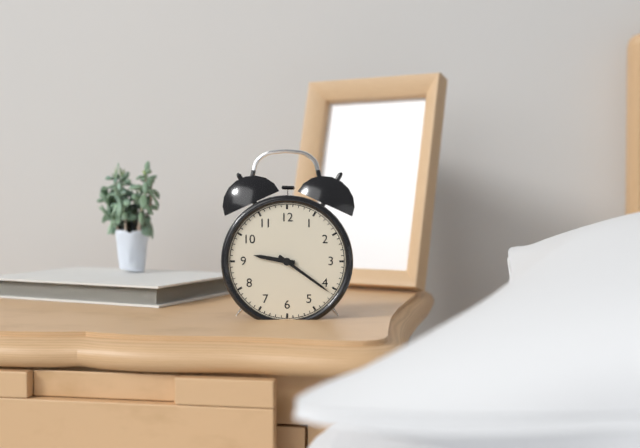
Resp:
h=9 m=21
